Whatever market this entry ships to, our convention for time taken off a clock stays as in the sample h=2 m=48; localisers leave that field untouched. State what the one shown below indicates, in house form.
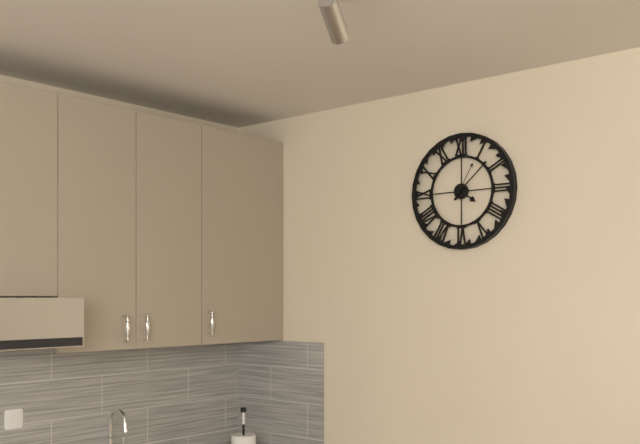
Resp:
h=4 m=8
